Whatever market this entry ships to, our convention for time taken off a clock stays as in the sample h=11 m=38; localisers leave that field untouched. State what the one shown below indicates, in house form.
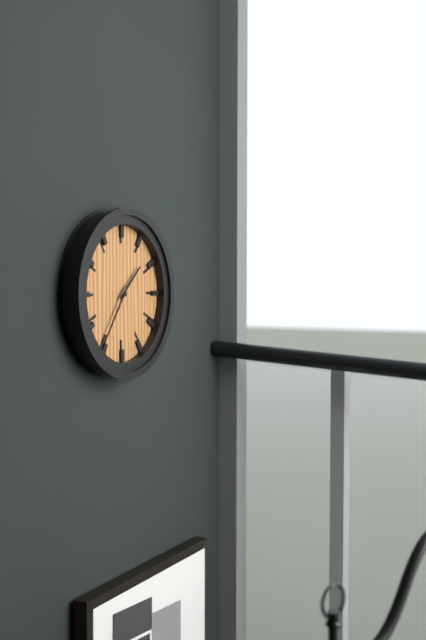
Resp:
h=1 m=36
